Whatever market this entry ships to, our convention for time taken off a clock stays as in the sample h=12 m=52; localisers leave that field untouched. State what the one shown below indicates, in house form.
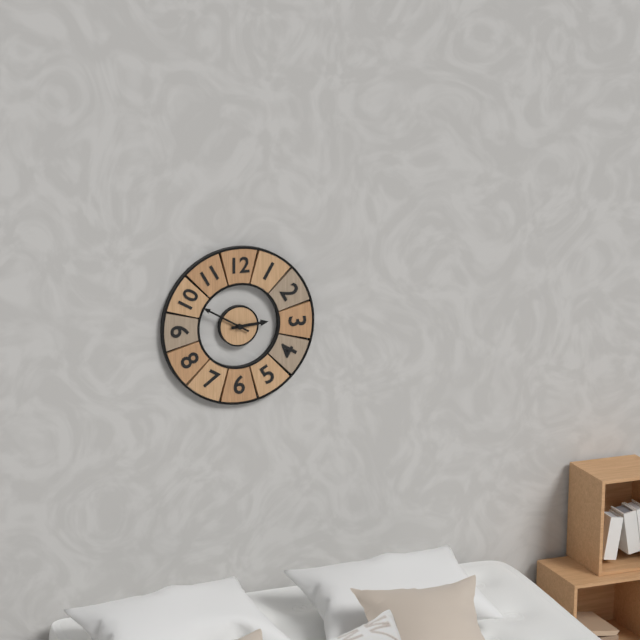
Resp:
h=2 m=50
